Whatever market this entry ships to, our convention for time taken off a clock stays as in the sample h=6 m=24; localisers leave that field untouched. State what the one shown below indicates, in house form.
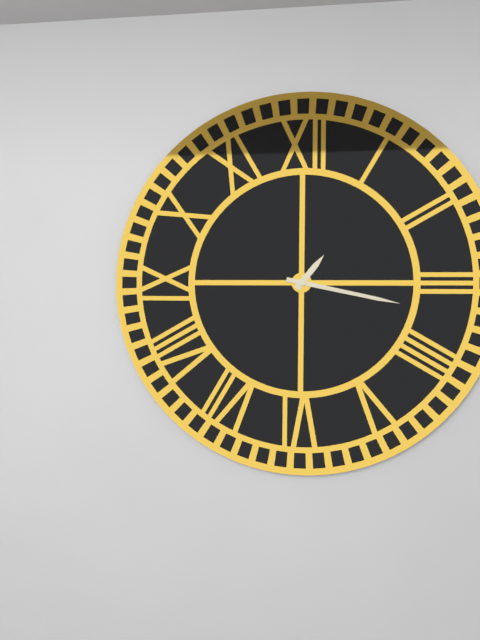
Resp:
h=1 m=17
